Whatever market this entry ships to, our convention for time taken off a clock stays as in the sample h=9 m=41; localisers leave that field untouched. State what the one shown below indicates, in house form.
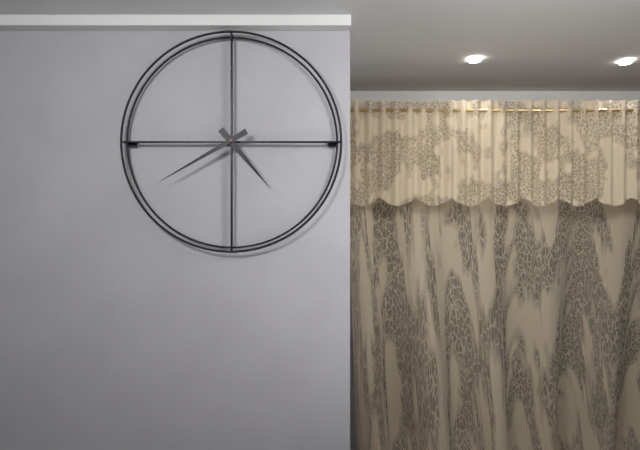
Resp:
h=4 m=40
